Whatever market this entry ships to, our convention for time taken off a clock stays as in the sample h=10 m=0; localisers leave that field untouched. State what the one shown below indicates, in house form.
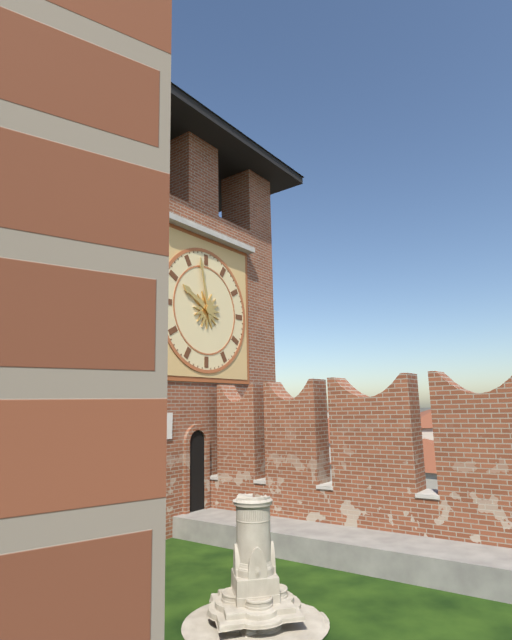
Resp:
h=9 m=58
